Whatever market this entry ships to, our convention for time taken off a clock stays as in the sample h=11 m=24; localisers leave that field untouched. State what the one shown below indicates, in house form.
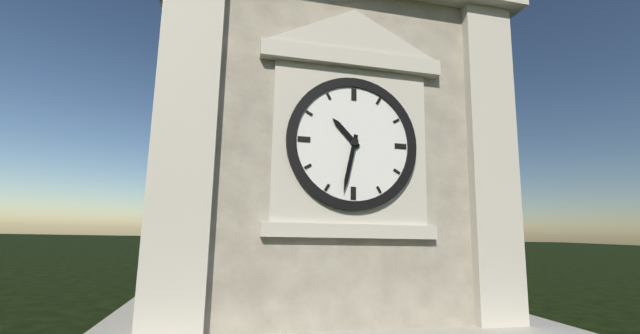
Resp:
h=10 m=32
